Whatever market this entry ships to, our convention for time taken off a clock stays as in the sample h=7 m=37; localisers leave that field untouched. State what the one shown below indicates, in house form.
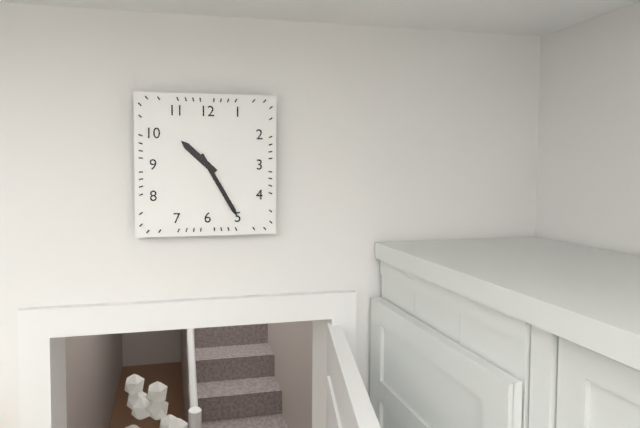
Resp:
h=10 m=25
